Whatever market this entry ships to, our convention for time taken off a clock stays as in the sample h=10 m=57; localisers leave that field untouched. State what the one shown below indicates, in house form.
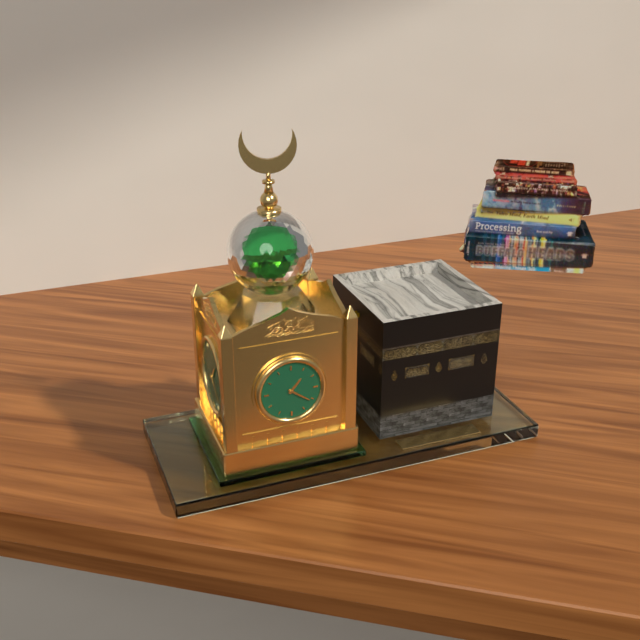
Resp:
h=1 m=21
